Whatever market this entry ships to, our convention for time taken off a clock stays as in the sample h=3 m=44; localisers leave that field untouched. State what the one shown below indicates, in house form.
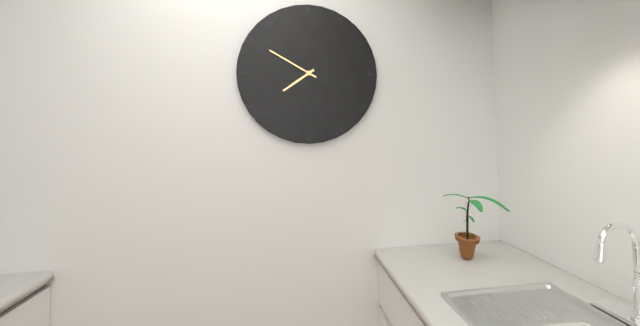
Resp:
h=7 m=50
